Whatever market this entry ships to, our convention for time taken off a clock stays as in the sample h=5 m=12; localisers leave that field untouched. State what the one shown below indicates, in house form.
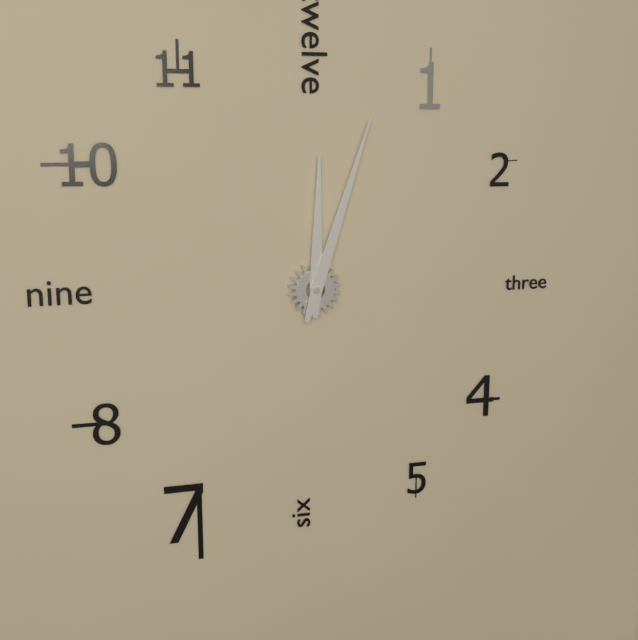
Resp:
h=12 m=3
